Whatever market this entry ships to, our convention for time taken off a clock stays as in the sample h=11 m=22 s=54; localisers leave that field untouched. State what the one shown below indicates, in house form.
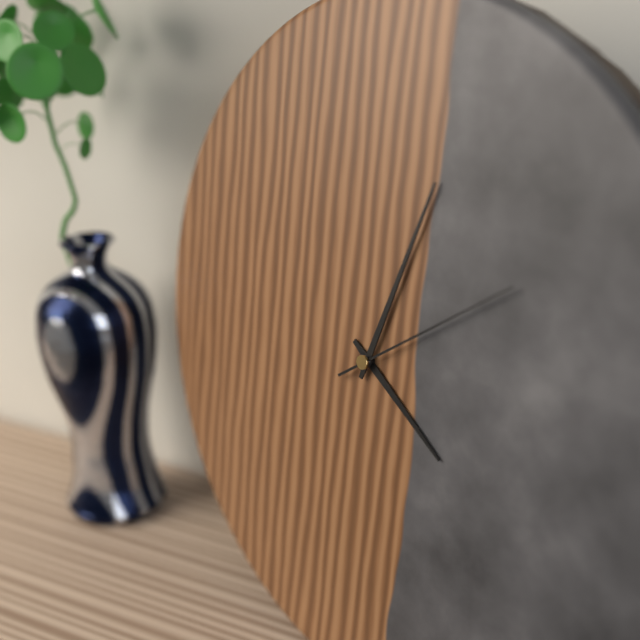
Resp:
h=4 m=3 s=9
